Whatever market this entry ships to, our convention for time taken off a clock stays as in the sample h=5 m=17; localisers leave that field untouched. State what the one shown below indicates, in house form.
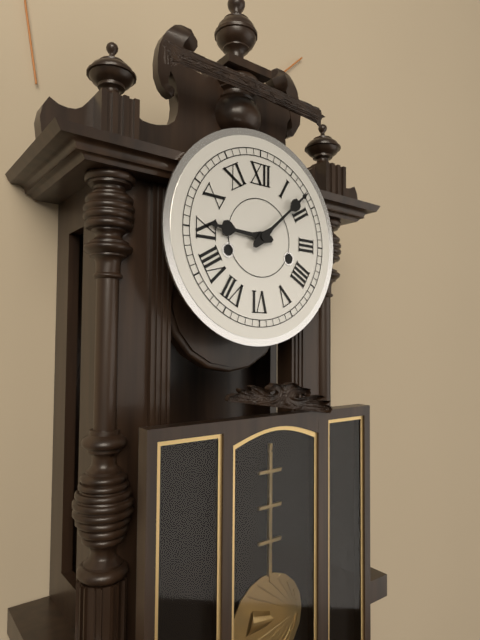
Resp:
h=9 m=8
